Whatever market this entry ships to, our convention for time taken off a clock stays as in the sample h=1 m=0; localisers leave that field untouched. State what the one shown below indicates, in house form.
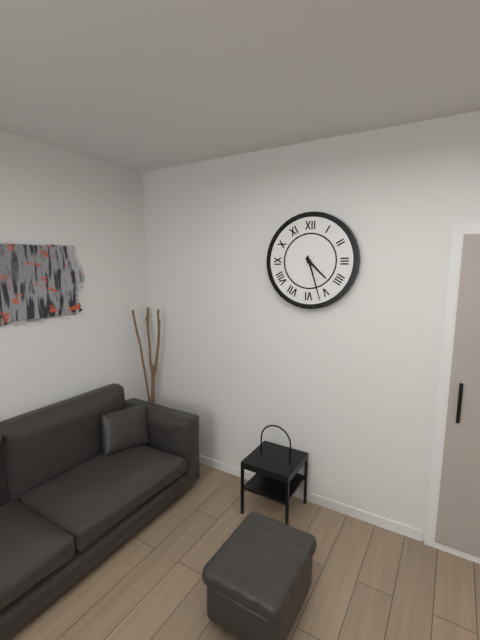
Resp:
h=4 m=27
